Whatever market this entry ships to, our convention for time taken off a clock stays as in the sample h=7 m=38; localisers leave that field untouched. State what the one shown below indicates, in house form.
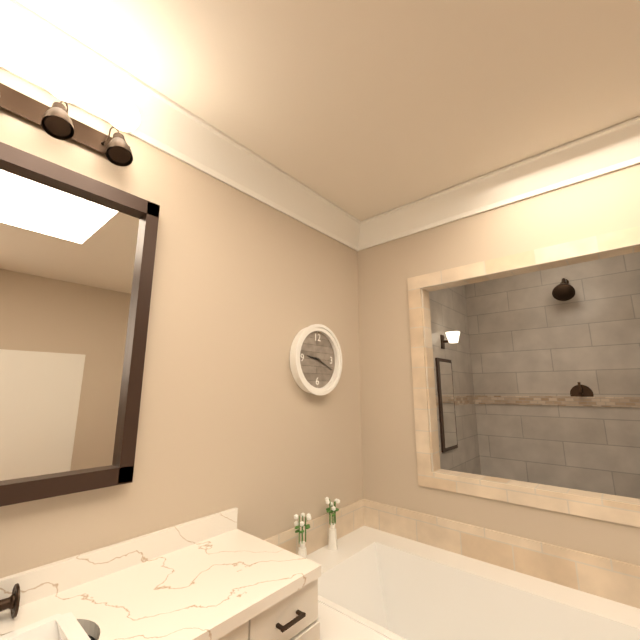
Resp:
h=9 m=19
